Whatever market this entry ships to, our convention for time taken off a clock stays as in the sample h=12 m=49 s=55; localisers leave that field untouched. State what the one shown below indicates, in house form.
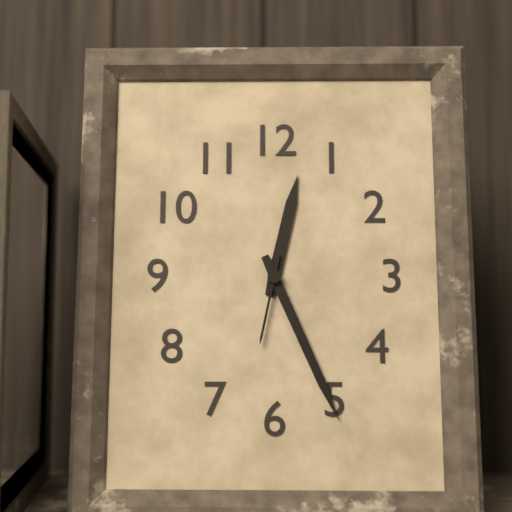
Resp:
h=12 m=26 s=32
